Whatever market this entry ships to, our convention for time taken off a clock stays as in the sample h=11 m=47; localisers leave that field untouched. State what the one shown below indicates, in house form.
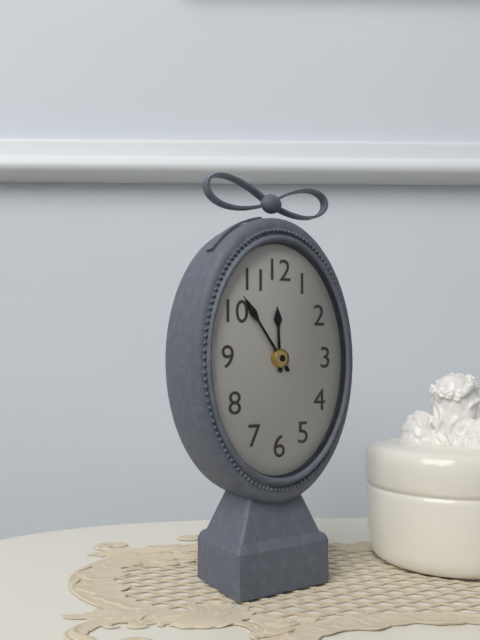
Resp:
h=11 m=54
